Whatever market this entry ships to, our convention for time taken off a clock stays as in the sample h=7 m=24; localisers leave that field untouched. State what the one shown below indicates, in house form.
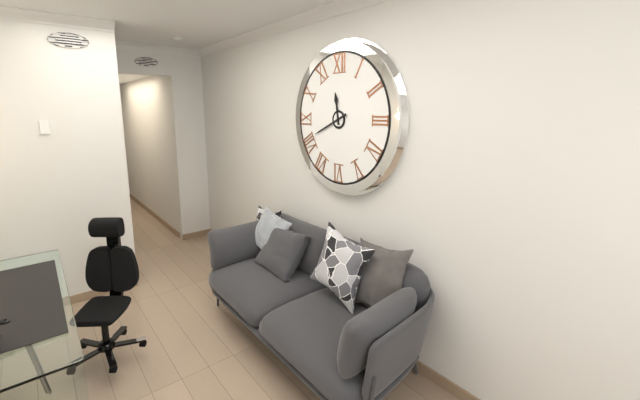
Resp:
h=11 m=41
